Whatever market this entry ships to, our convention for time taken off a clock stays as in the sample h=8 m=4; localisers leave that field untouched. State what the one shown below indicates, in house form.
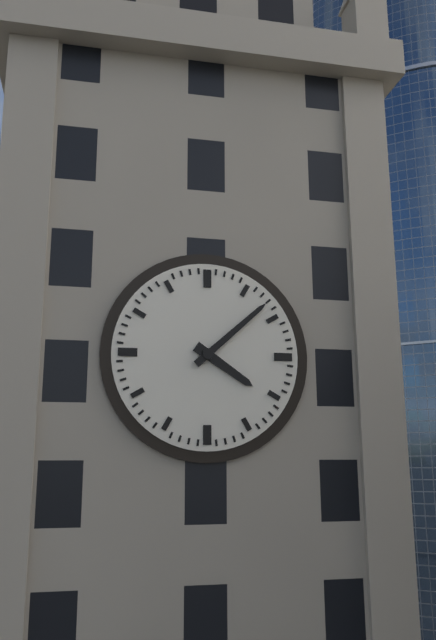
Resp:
h=4 m=8
